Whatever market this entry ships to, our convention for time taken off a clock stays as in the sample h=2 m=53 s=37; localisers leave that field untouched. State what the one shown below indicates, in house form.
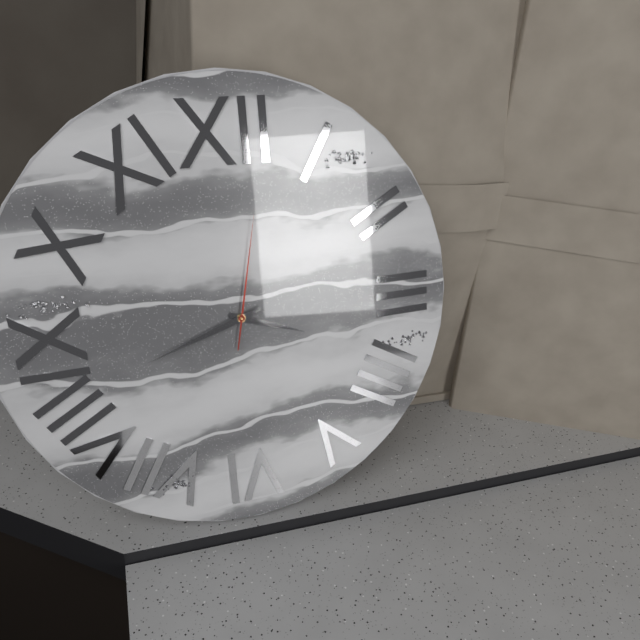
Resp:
h=3 m=42 s=2
